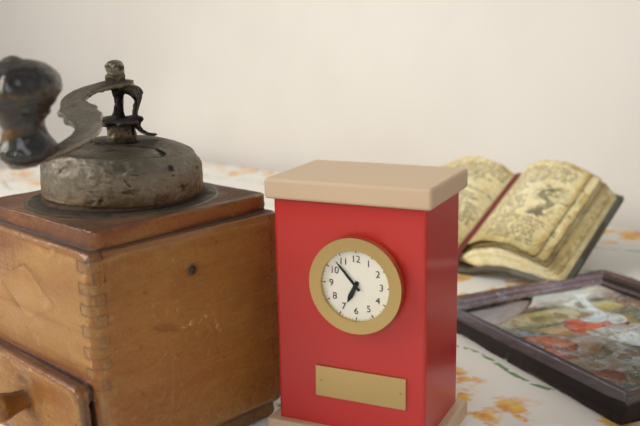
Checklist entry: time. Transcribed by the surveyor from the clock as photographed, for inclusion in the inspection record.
6:53
